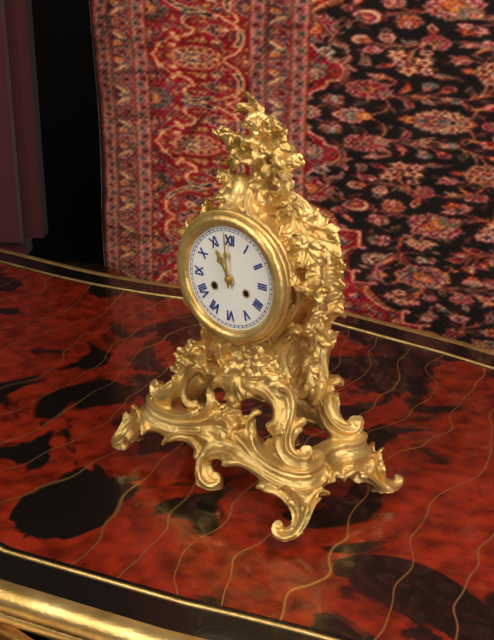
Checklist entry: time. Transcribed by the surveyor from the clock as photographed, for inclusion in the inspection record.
10:59
